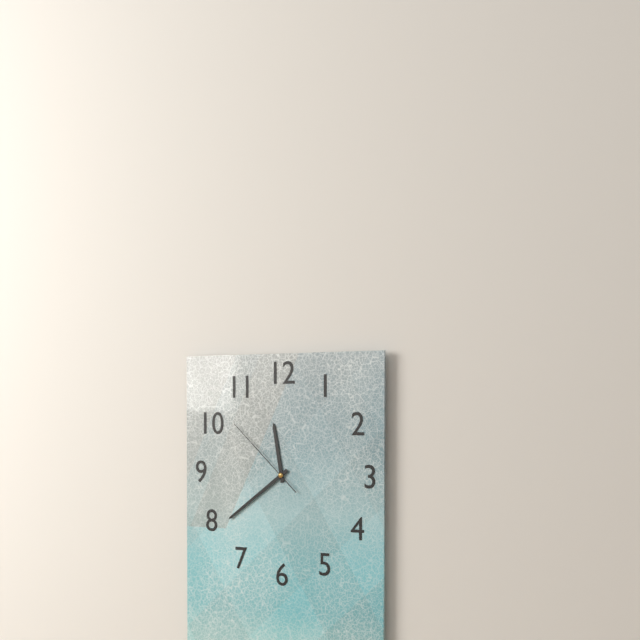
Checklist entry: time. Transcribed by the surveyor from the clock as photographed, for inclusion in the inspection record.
11:39:52
